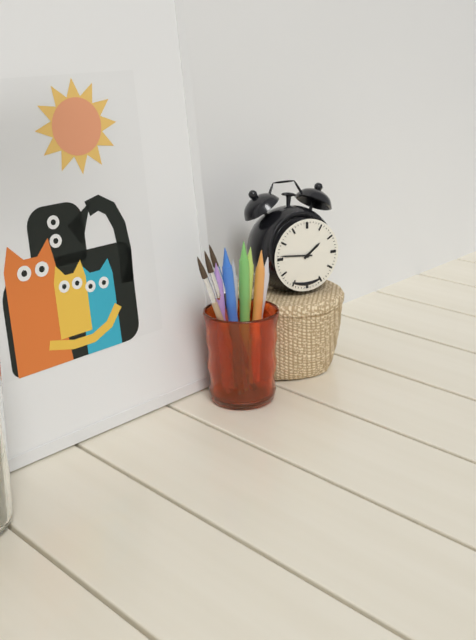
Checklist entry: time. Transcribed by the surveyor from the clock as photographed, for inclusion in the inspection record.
1:46
